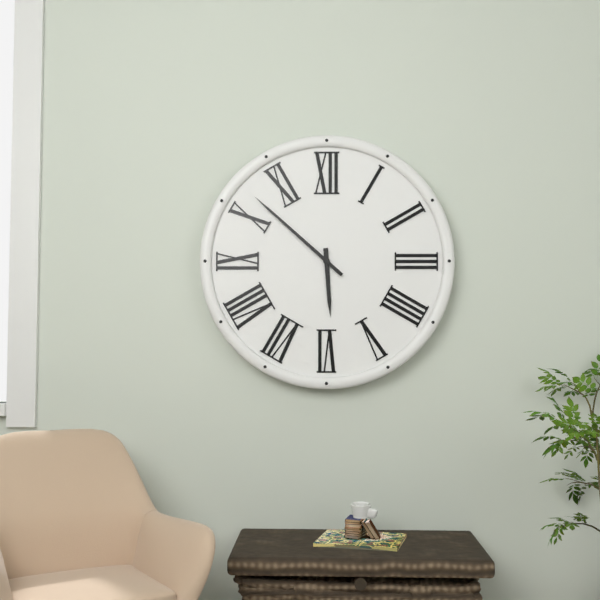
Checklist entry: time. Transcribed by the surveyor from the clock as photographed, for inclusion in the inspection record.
5:52
